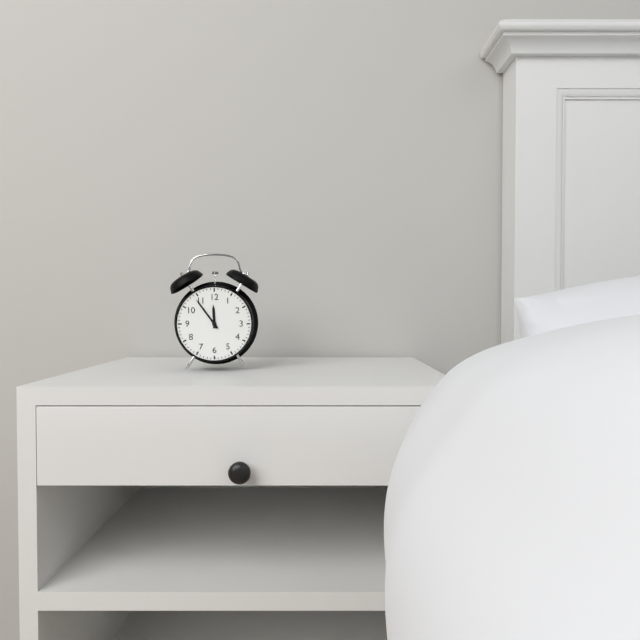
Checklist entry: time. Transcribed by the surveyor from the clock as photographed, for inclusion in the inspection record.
11:54
